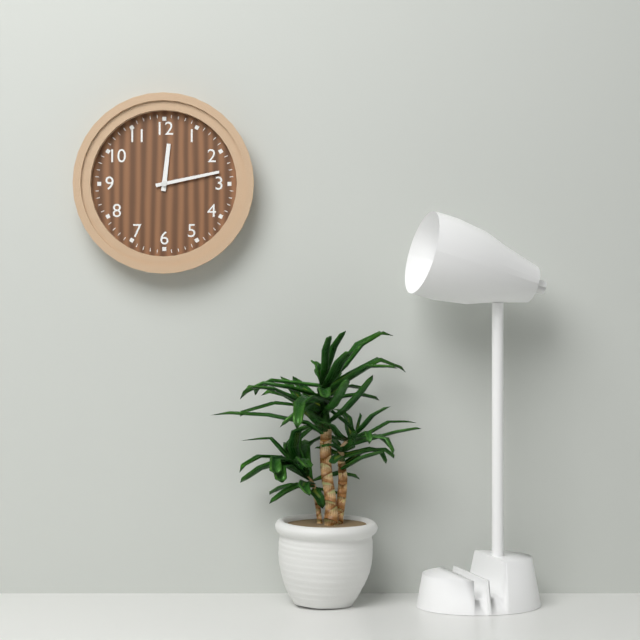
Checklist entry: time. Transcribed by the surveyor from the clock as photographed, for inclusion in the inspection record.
12:13
